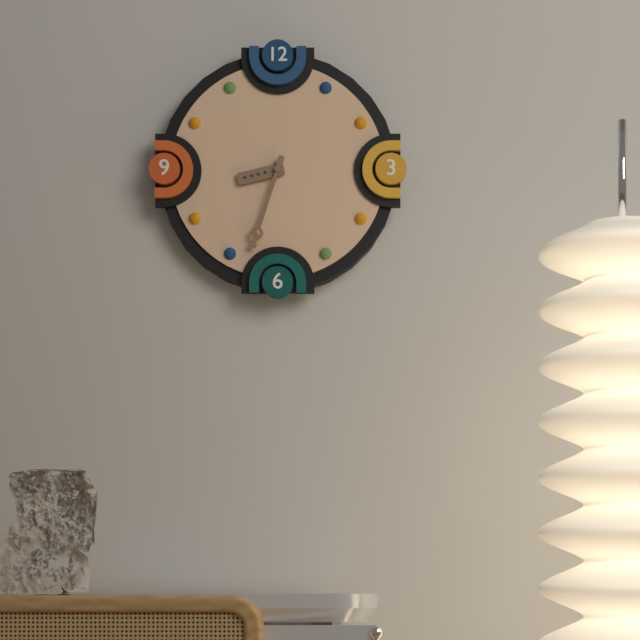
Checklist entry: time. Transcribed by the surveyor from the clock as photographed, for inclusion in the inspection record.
8:33
